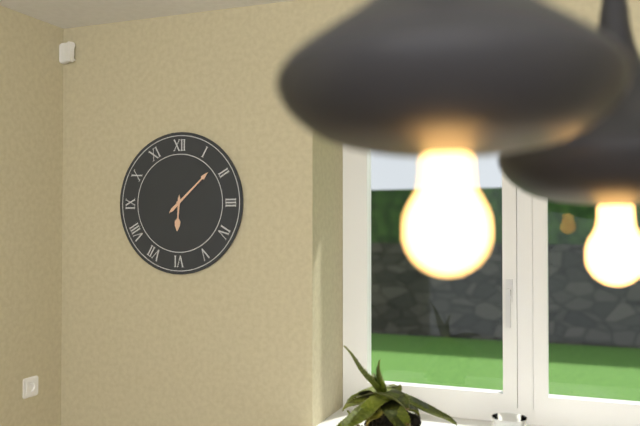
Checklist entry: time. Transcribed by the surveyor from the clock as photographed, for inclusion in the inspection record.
6:08
